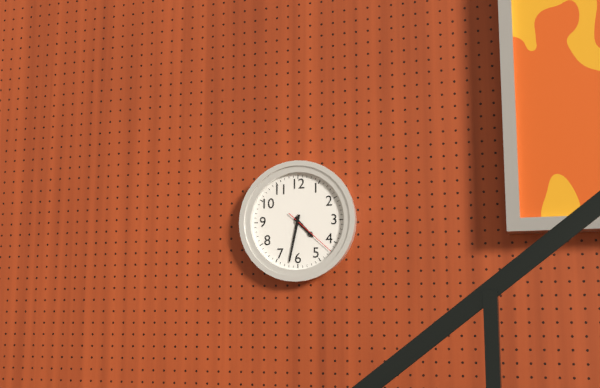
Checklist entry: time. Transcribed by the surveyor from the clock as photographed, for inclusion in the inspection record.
4:32:22
